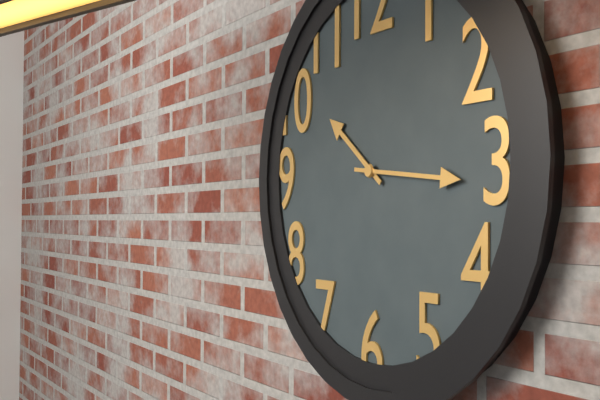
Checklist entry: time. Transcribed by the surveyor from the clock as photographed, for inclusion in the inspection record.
10:16
